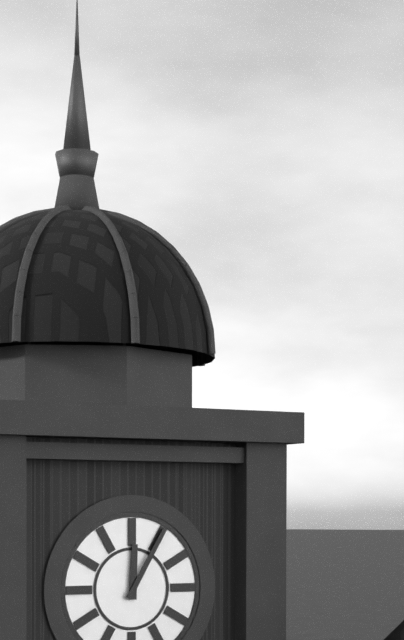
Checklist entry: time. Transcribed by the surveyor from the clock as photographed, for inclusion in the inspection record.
12:05
